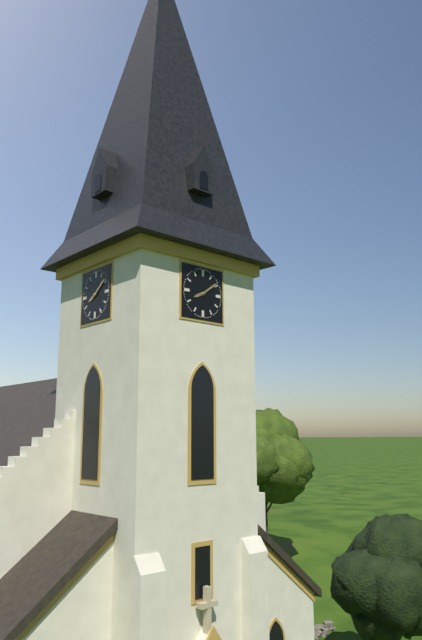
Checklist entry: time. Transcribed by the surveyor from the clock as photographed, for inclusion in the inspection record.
8:09
